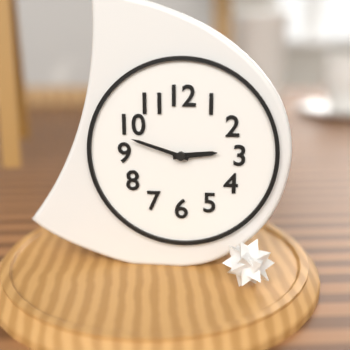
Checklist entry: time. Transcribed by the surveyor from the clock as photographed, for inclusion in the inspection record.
2:48
